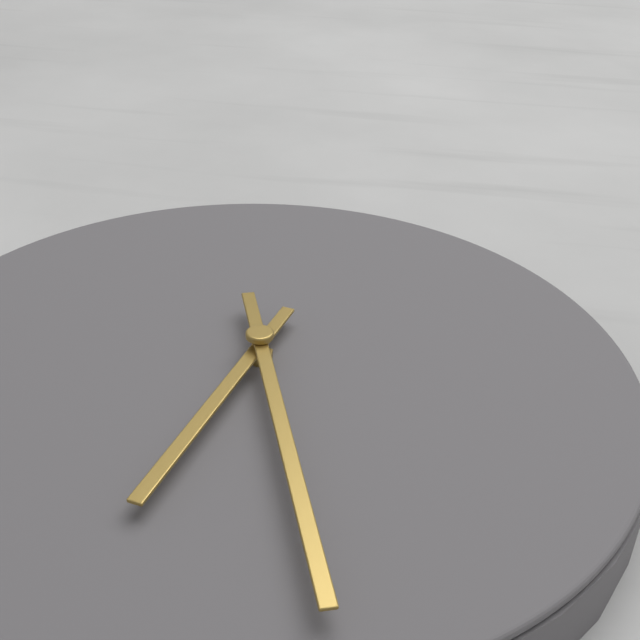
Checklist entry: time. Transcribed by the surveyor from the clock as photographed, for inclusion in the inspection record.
6:27
